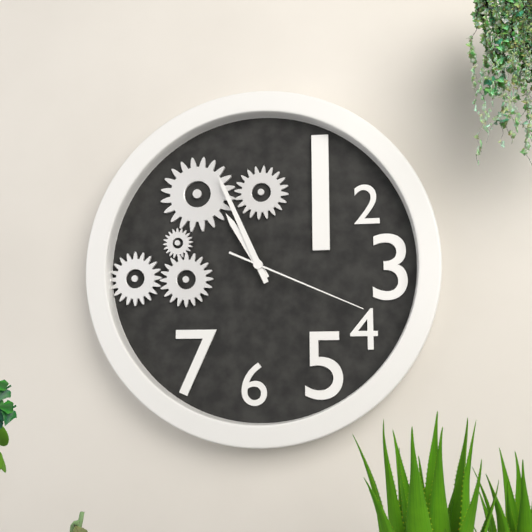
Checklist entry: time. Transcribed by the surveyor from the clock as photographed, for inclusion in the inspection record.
10:56:19
